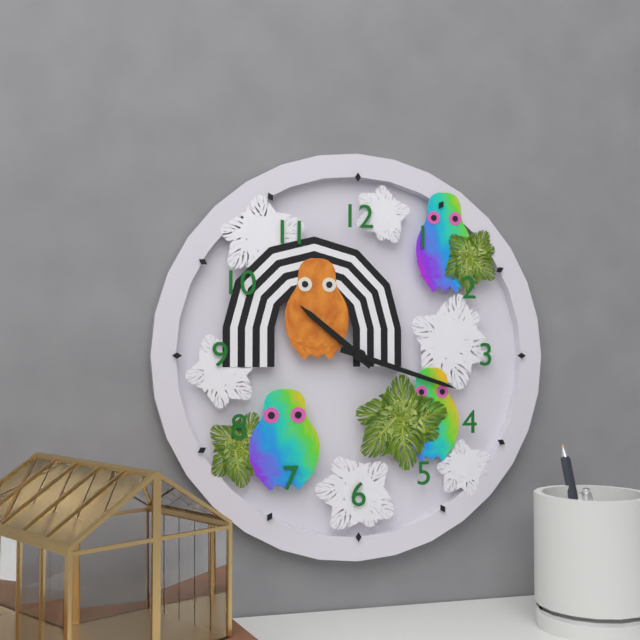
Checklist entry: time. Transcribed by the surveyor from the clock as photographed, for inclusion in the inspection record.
10:18
